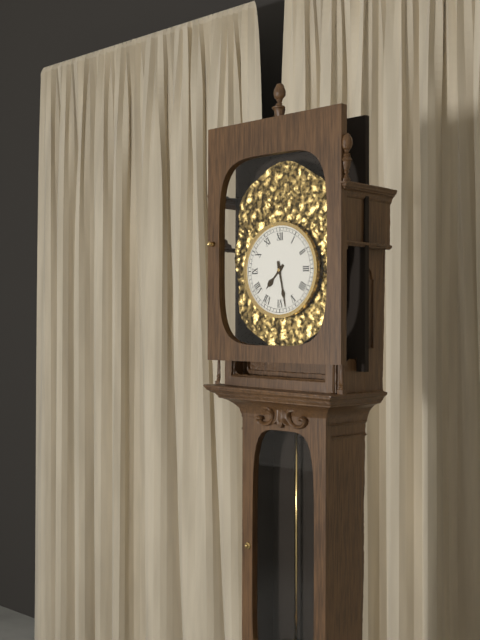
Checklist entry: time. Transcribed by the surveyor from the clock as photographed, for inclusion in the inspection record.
7:28
